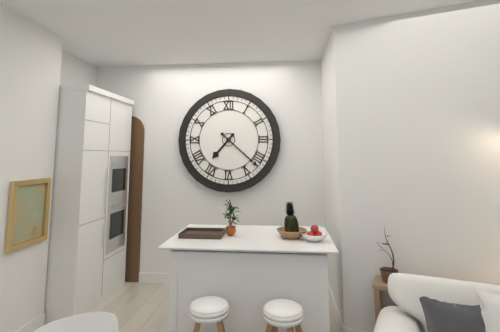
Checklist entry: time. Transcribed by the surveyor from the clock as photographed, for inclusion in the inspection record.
7:22
